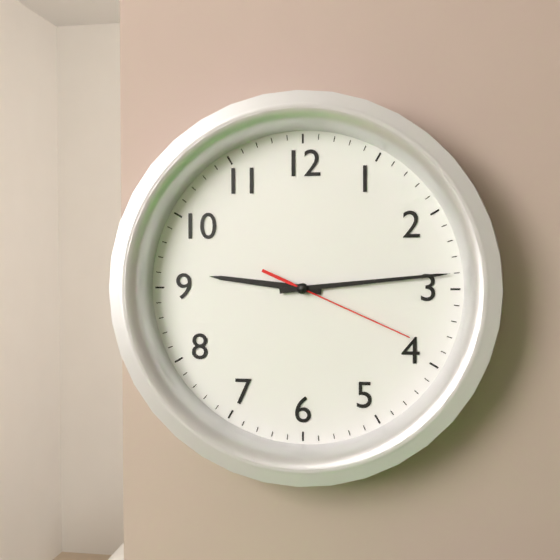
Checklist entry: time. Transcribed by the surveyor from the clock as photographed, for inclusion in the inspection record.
9:14:19
